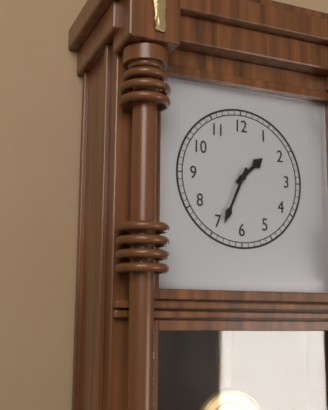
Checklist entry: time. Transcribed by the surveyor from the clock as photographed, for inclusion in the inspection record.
1:34
